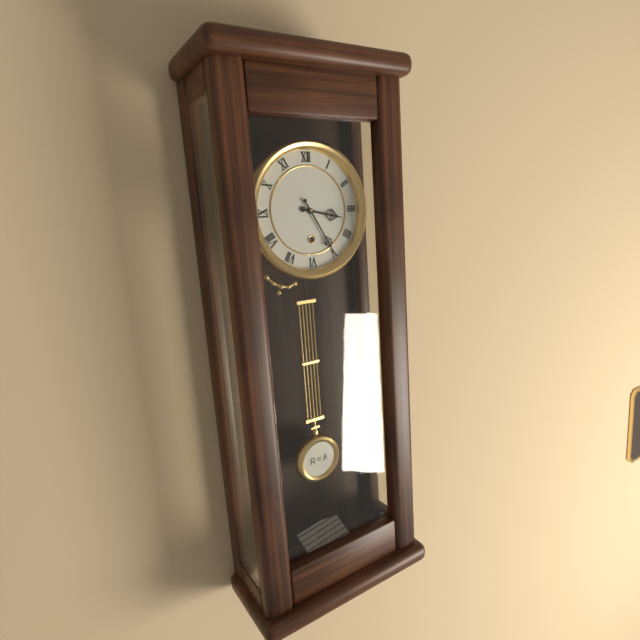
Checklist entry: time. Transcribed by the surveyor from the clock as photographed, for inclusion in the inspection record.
3:25
